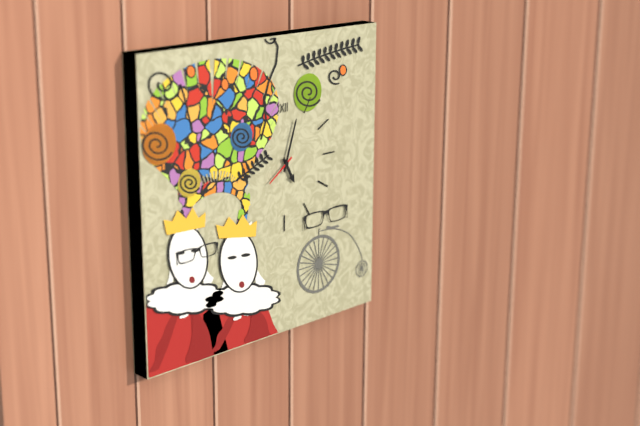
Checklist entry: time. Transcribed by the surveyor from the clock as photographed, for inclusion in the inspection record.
5:03
